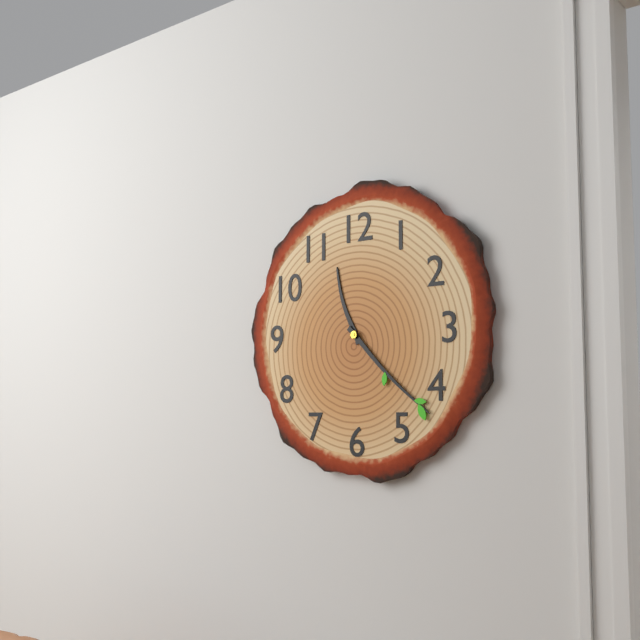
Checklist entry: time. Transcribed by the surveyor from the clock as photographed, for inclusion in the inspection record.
11:22
